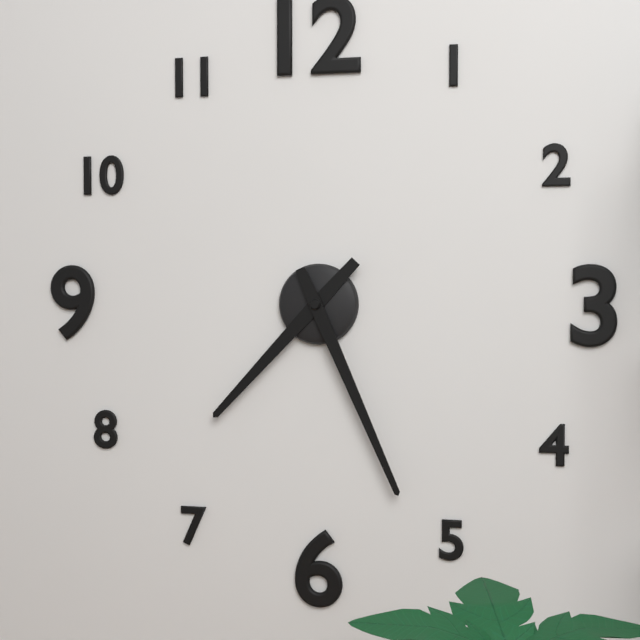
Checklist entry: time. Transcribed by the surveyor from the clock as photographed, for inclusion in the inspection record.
7:26
